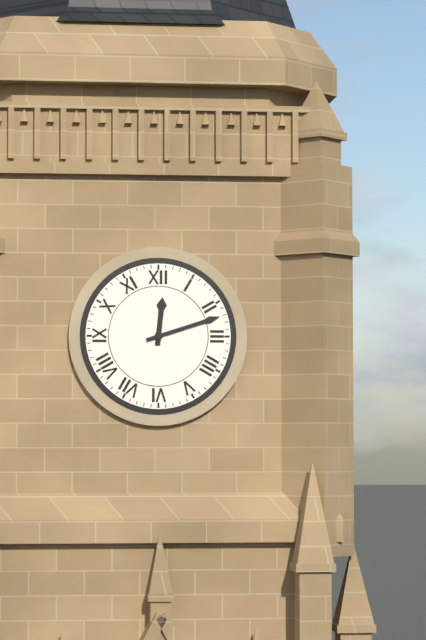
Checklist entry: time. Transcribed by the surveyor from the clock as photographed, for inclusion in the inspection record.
12:12
